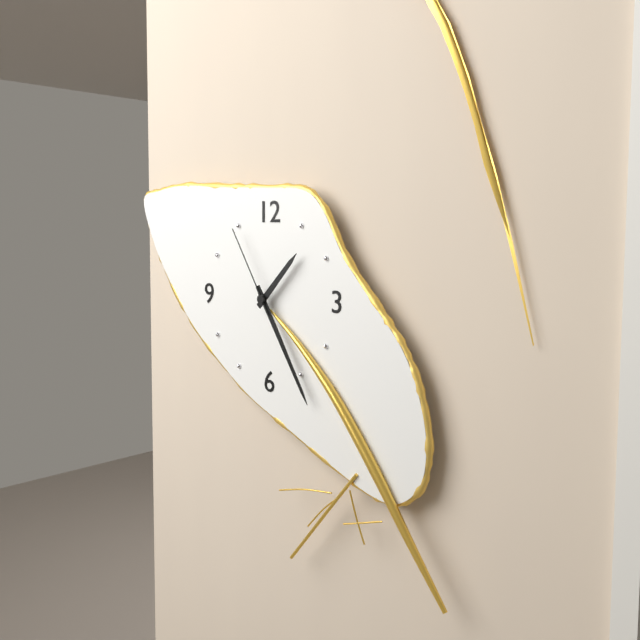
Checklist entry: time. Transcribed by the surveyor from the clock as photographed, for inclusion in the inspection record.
1:25:55
